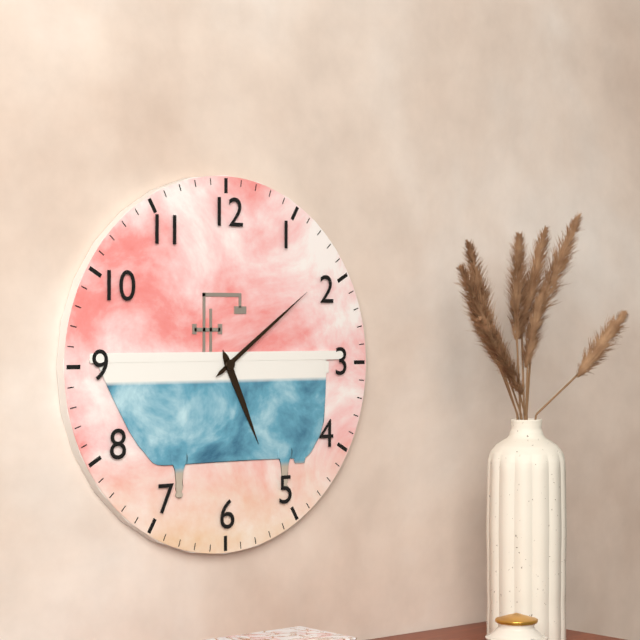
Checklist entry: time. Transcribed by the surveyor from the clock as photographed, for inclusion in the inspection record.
5:09
